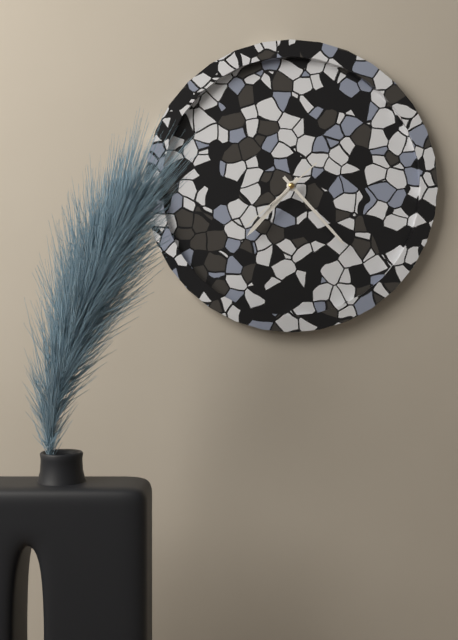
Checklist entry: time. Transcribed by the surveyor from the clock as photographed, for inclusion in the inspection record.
7:23:38
